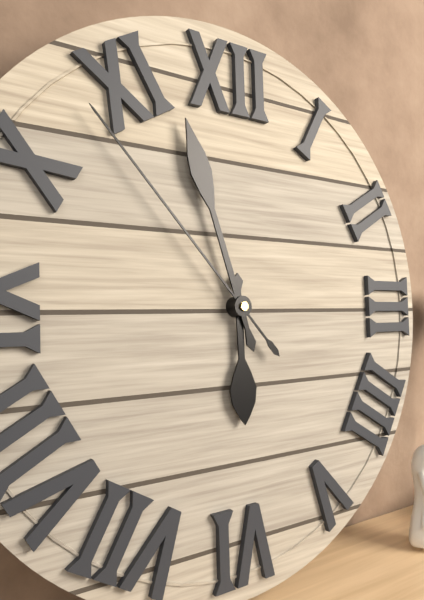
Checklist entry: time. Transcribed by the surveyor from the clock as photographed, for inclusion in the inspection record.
5:57:53
